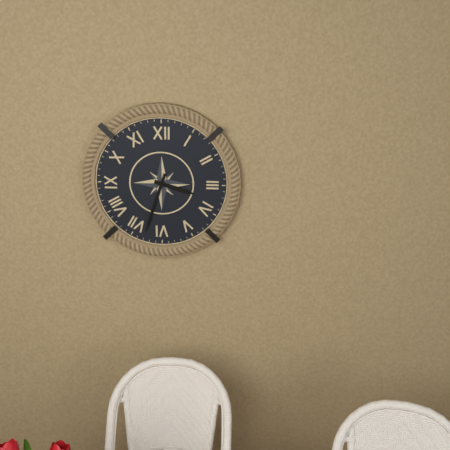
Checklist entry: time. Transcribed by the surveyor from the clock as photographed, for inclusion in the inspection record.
3:33
